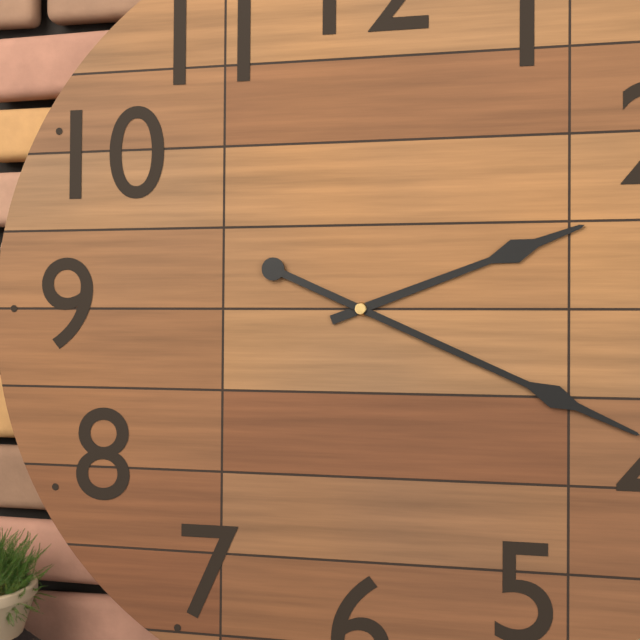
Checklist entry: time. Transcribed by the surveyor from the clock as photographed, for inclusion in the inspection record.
2:19
